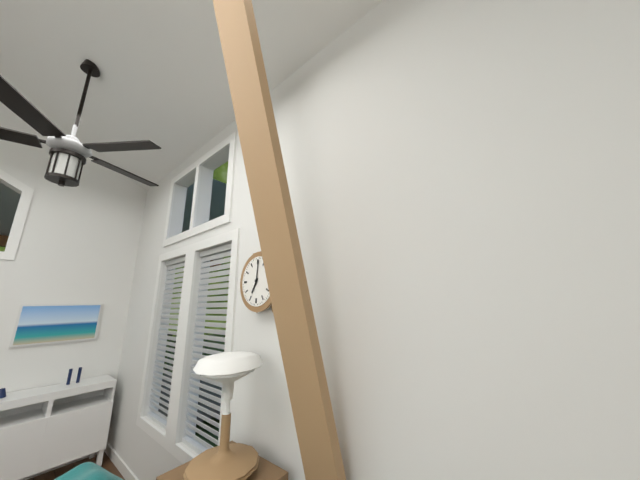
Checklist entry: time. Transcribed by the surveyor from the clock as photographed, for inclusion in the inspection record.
7:01
